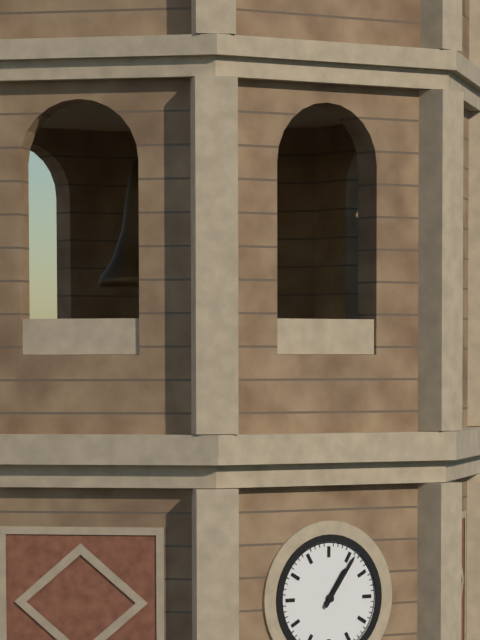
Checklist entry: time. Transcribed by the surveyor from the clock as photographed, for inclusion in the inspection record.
1:06
